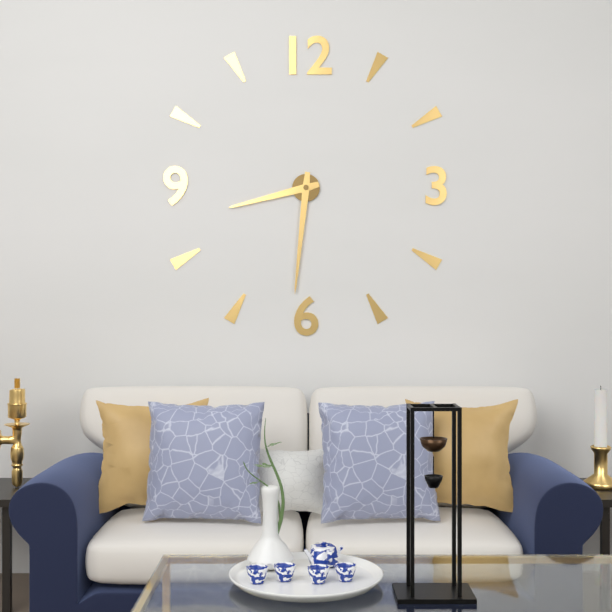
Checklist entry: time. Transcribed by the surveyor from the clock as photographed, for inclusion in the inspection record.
8:31
